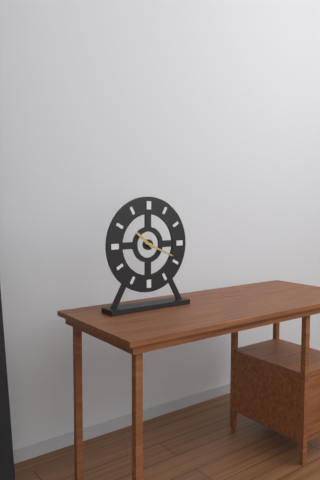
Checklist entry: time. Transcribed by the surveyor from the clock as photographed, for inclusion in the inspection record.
10:19
